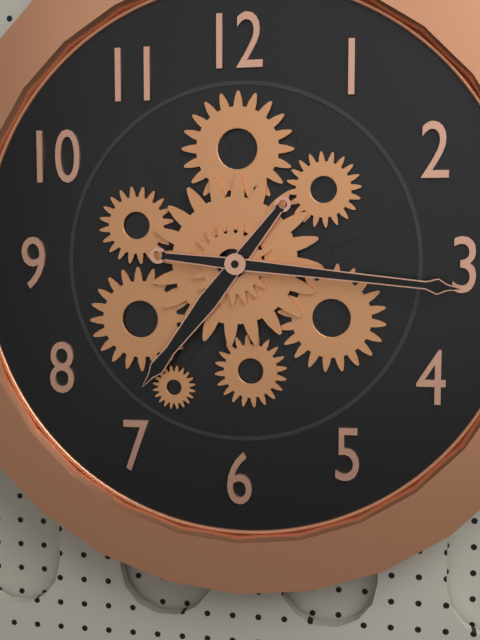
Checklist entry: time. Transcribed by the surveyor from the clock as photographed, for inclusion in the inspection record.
7:16
